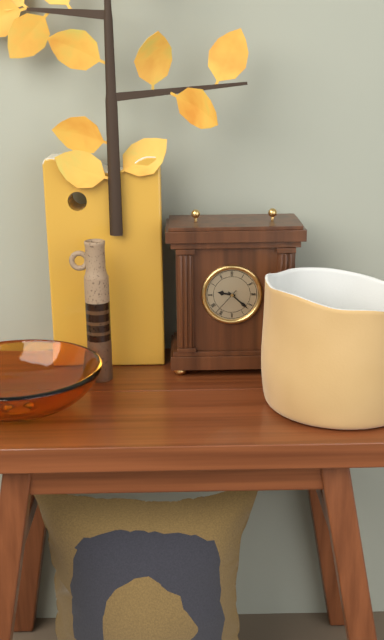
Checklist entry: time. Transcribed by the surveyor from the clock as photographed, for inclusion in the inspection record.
9:22
